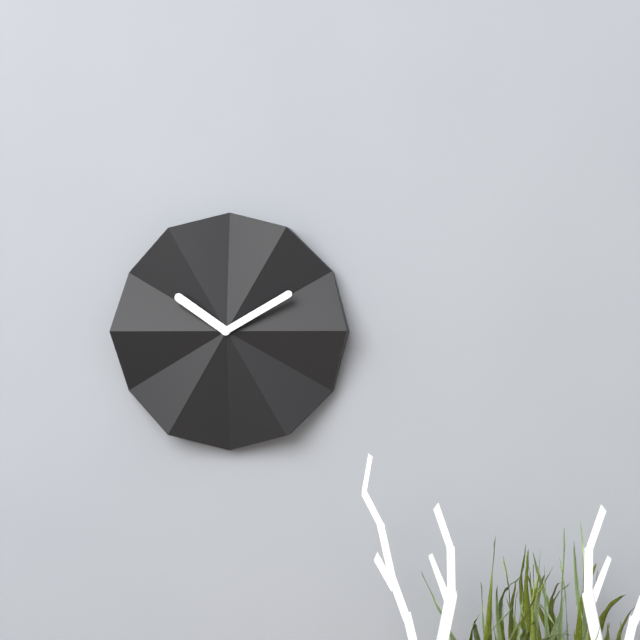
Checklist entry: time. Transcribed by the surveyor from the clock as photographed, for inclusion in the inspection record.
10:10
